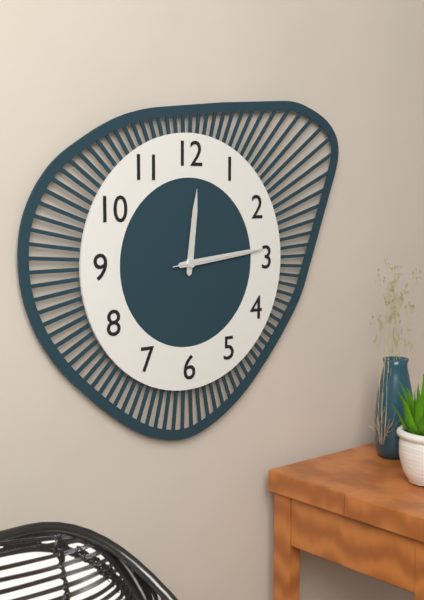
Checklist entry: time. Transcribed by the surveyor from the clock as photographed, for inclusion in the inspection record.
12:14:14
